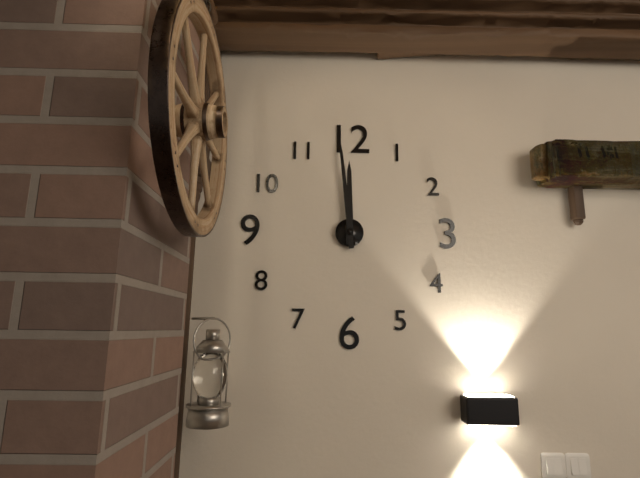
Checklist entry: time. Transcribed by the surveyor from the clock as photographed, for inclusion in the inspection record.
11:59
